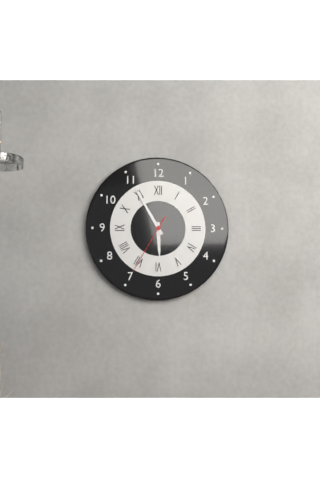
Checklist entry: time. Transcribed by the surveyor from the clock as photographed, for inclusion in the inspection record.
5:55:35
